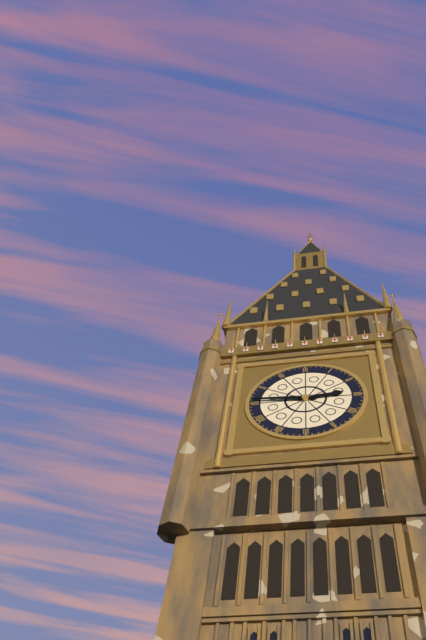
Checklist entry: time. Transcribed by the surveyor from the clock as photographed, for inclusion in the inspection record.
2:46
